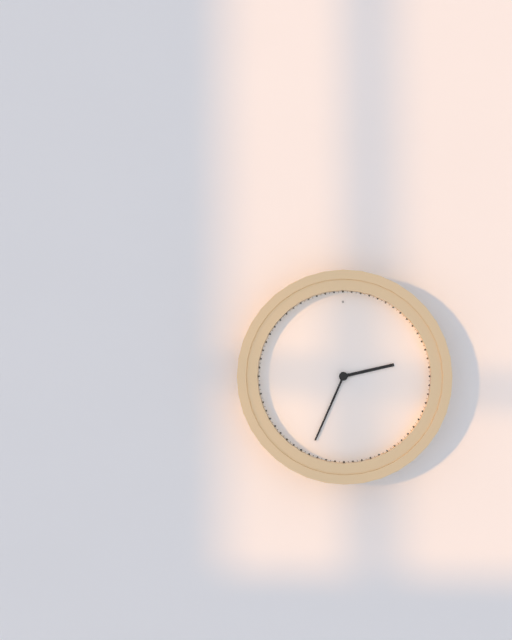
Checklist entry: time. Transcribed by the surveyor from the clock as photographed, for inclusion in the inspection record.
2:34
